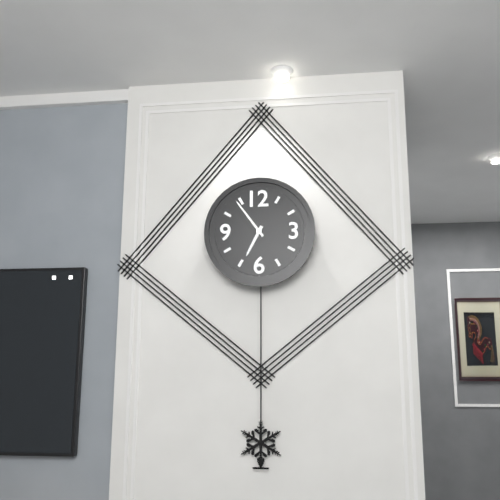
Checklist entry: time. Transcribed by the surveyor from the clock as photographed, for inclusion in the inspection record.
6:54
